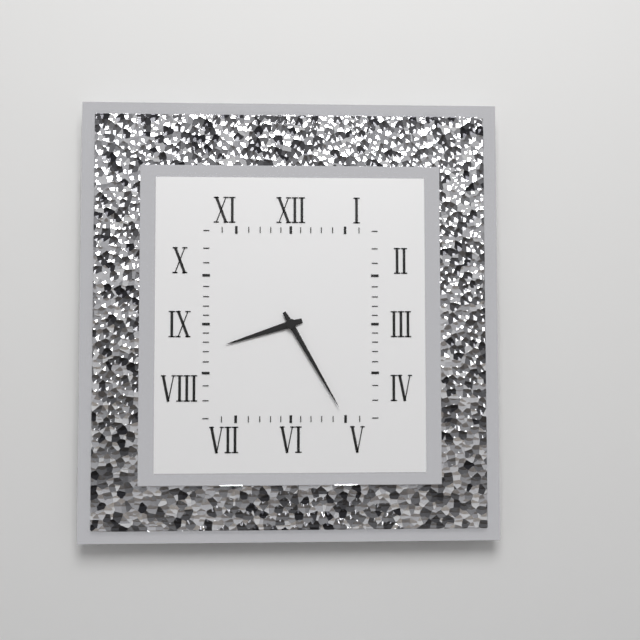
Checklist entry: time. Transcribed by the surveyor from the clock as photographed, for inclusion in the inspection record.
8:25
